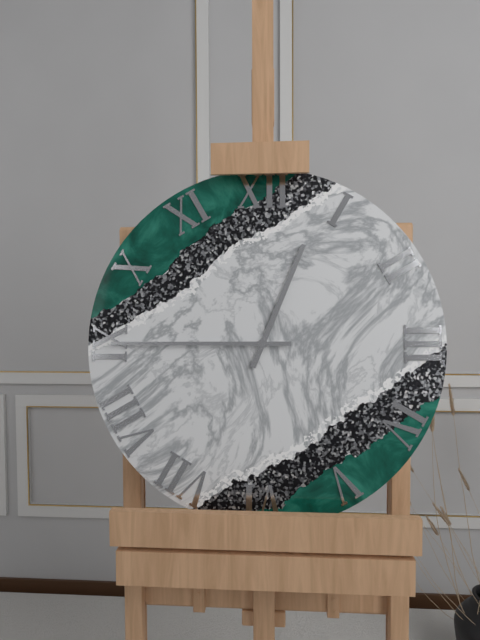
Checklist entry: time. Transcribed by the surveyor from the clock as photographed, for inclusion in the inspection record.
12:45
